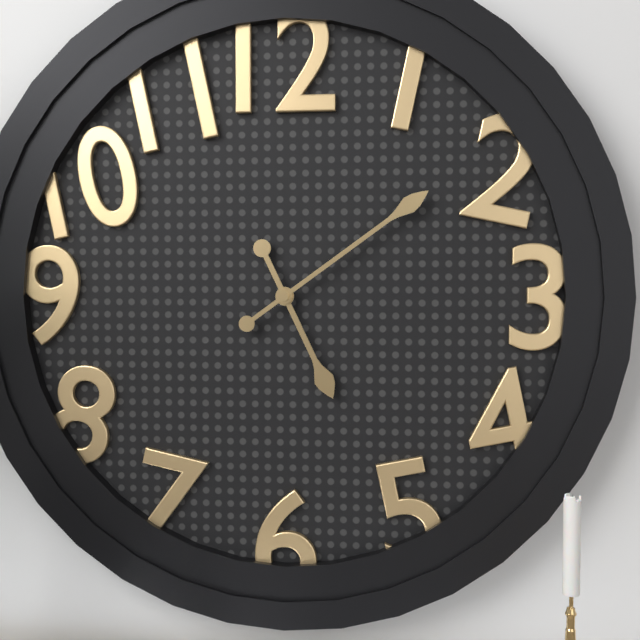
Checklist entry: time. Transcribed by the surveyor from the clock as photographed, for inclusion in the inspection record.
5:09
